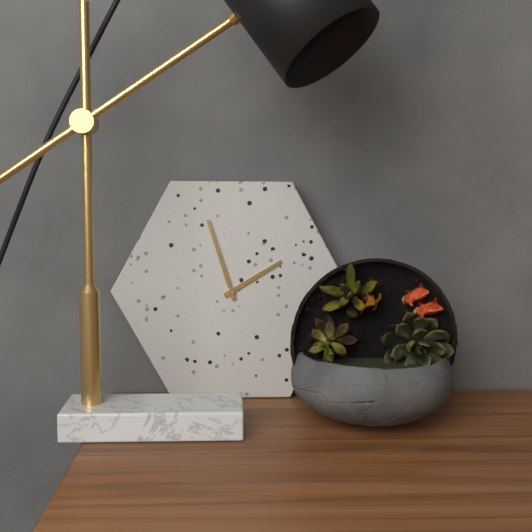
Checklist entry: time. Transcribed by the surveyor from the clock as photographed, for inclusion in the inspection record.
1:57
